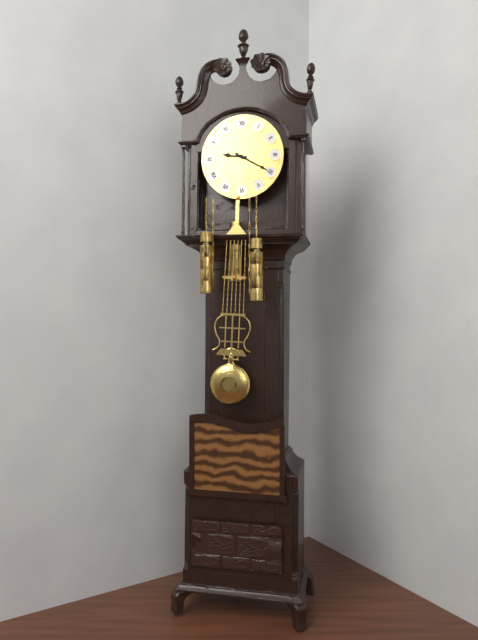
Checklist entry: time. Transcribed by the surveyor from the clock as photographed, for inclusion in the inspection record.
9:20
